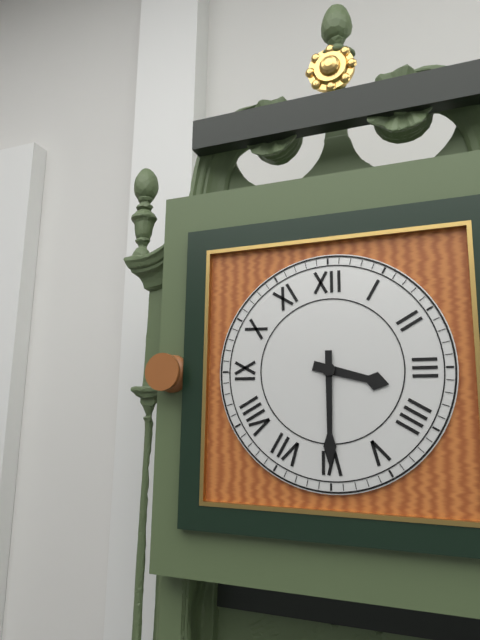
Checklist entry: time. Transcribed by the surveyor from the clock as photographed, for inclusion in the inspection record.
3:30
